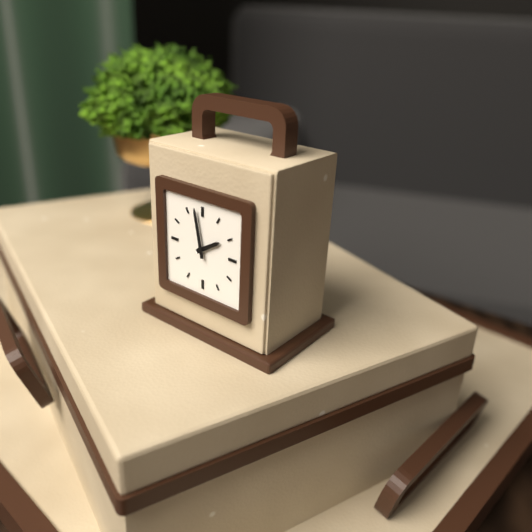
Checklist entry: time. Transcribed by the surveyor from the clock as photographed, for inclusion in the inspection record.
1:58
